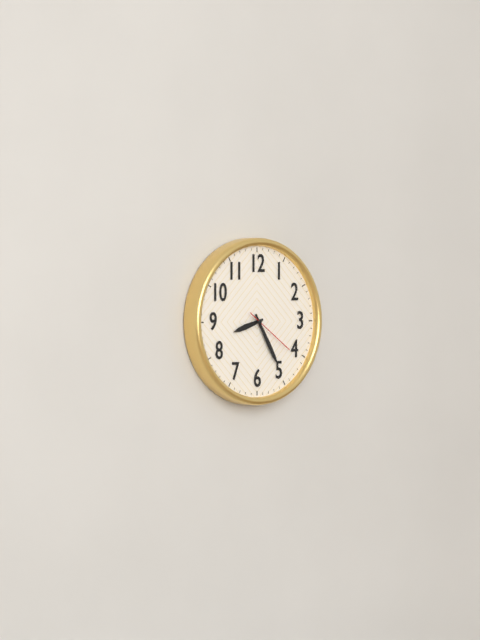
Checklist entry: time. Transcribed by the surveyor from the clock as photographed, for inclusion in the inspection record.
8:25:21
